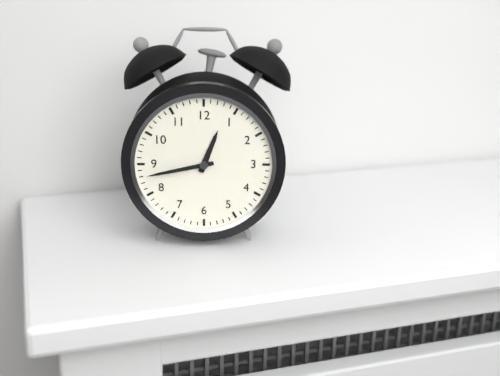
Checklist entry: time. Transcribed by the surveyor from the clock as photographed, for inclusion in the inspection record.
12:43
